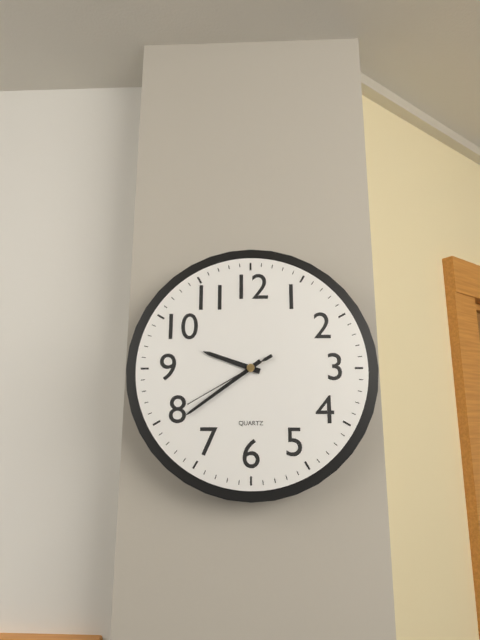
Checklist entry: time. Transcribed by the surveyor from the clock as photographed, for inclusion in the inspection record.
9:39:40
